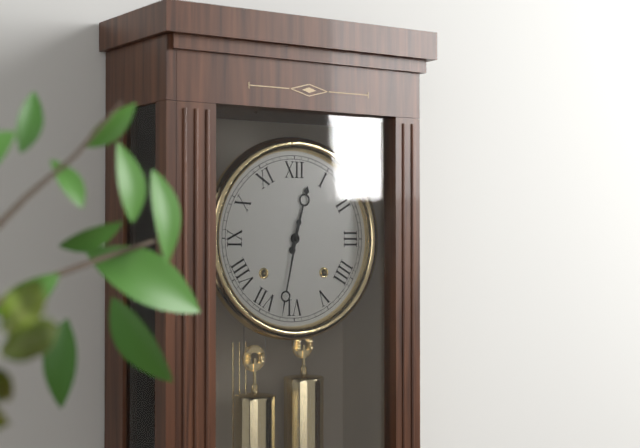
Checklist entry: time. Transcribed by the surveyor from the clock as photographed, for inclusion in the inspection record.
12:32
